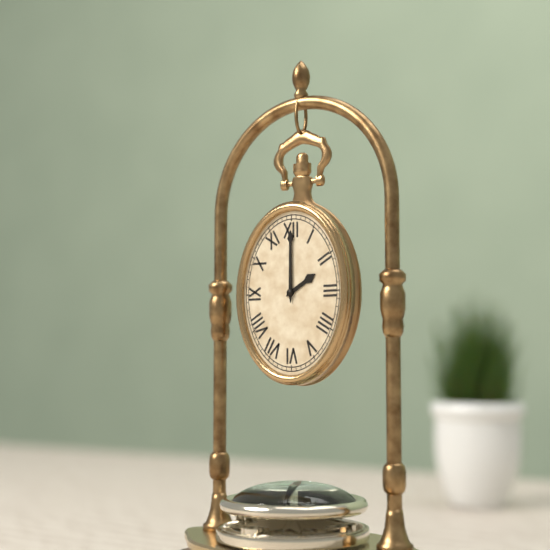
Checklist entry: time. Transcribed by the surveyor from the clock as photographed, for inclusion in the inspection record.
2:00
